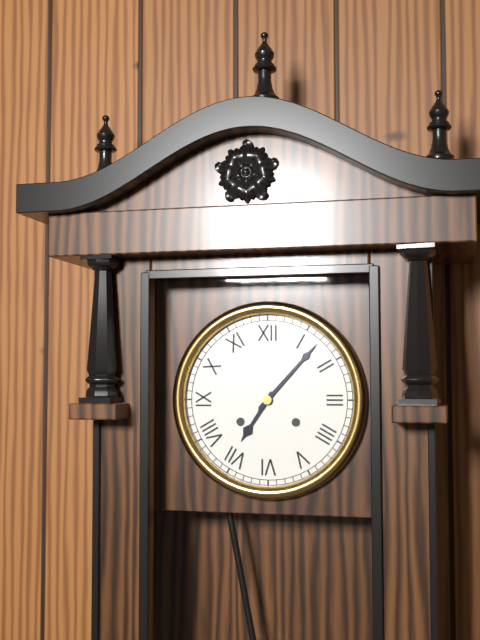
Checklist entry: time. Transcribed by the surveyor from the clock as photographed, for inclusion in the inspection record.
7:07
